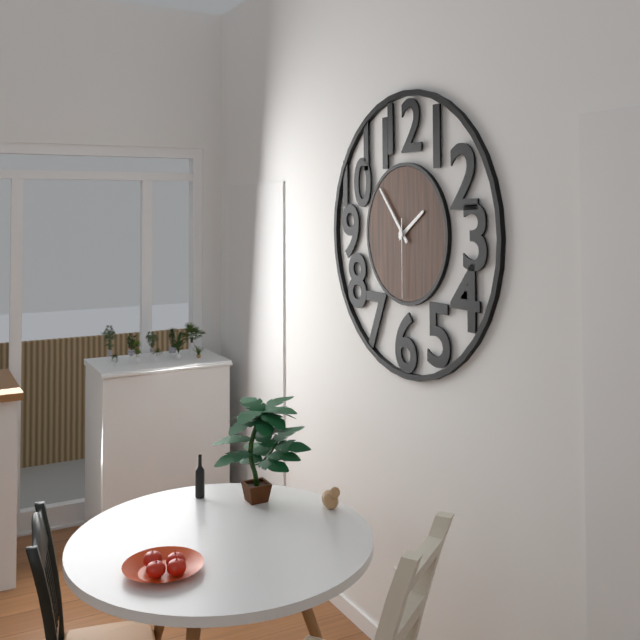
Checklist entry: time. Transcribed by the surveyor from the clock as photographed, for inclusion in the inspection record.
1:53:30
